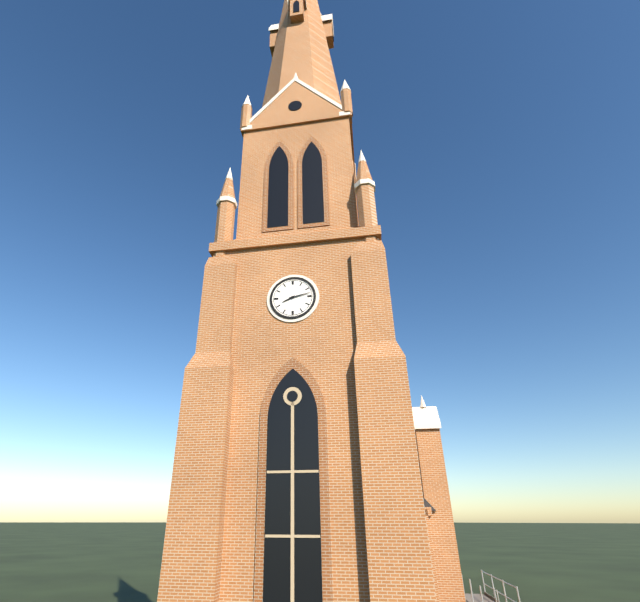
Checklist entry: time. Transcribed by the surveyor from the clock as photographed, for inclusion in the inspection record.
8:13
